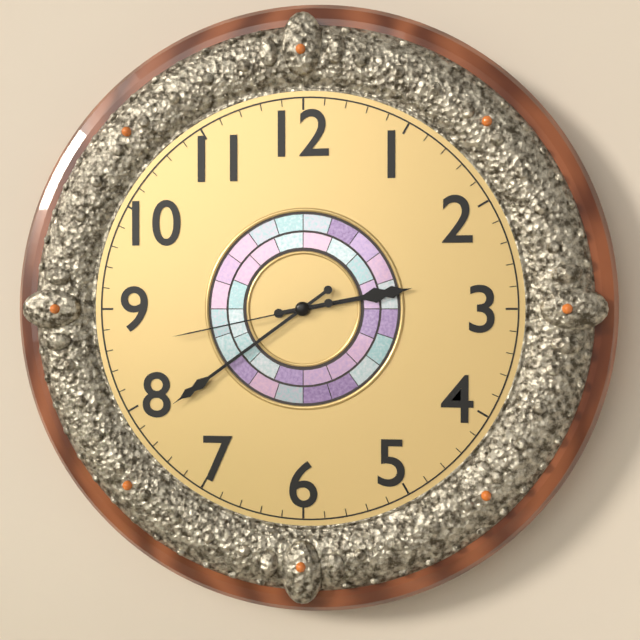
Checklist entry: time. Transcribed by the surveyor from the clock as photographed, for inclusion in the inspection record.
2:39:43
